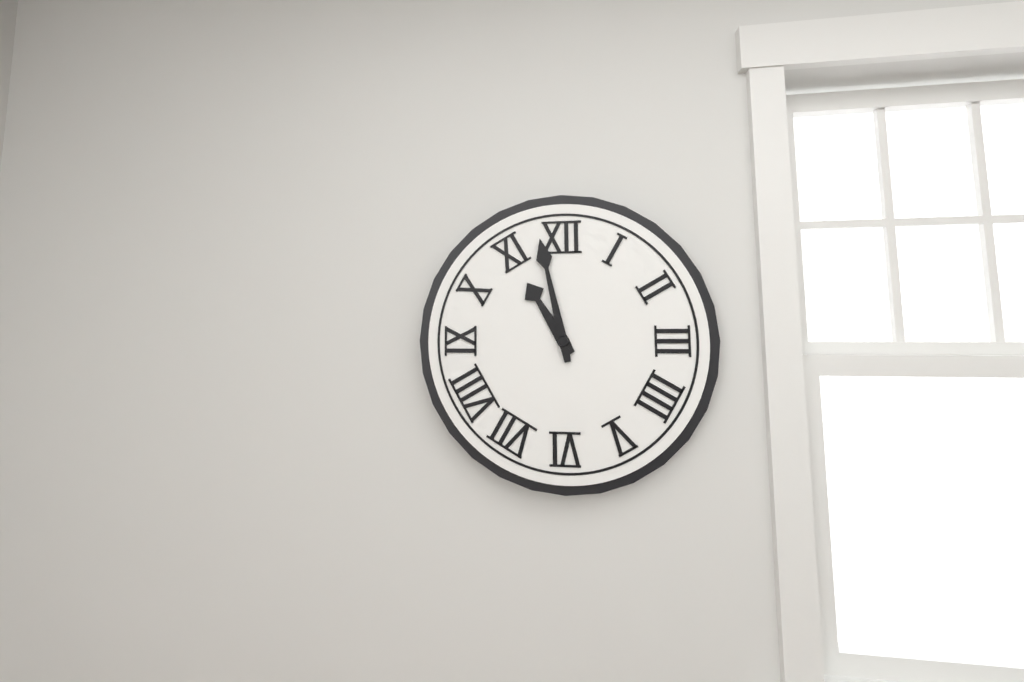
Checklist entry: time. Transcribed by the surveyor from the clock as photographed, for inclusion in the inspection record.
10:58
